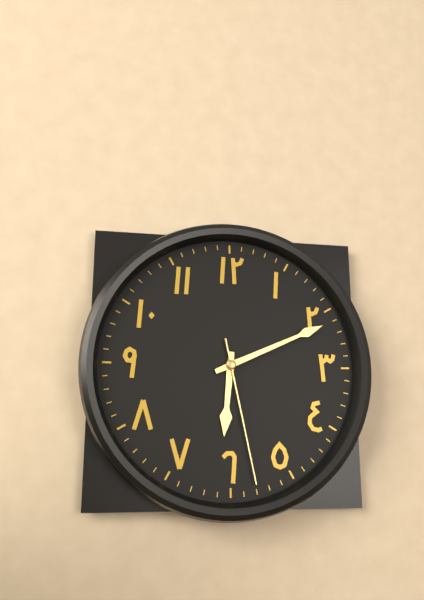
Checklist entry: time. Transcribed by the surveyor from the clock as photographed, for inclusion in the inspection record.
6:11:28
